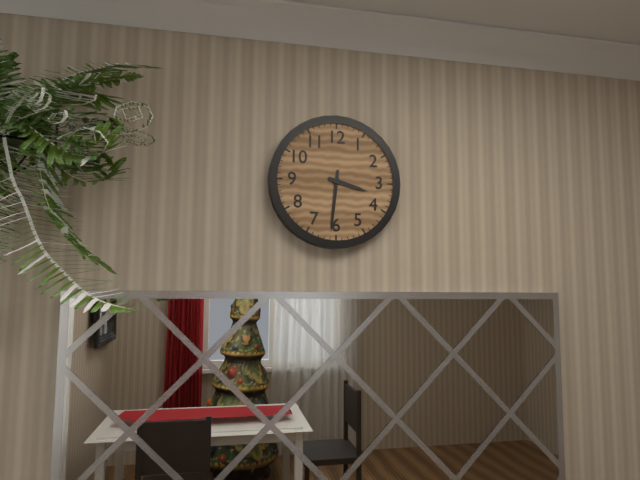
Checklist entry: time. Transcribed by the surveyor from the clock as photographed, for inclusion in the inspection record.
3:31
